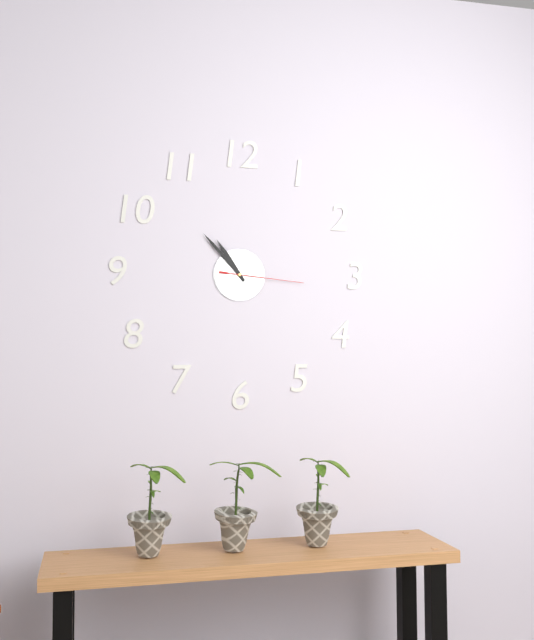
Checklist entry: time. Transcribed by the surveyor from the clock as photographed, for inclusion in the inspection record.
10:53:16
